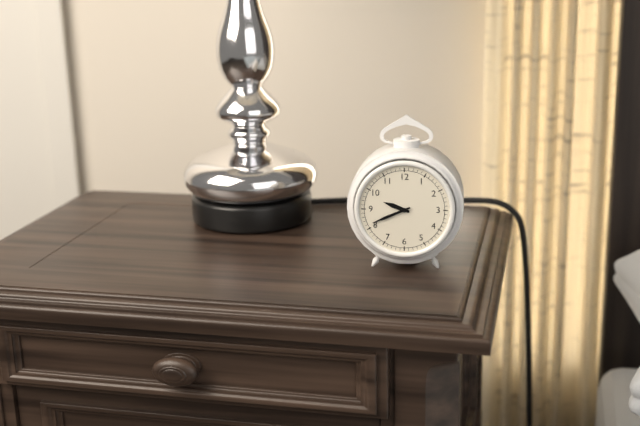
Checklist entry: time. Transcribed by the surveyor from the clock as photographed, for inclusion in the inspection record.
9:41
